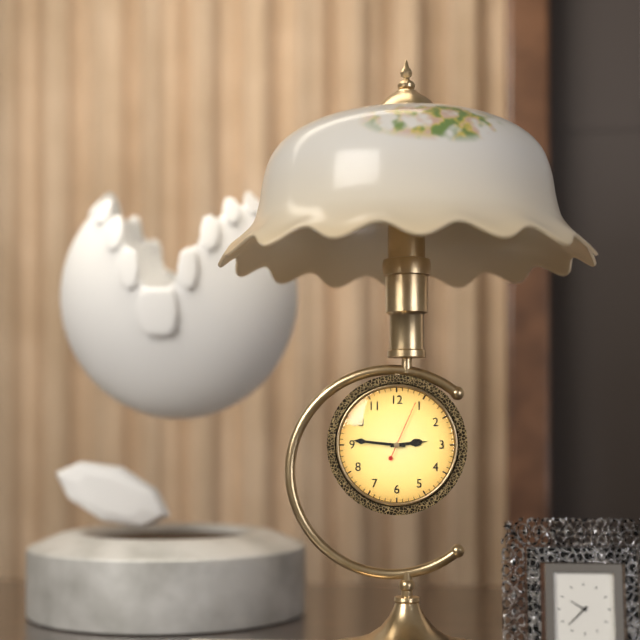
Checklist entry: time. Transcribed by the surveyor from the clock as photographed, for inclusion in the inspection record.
2:46:04
